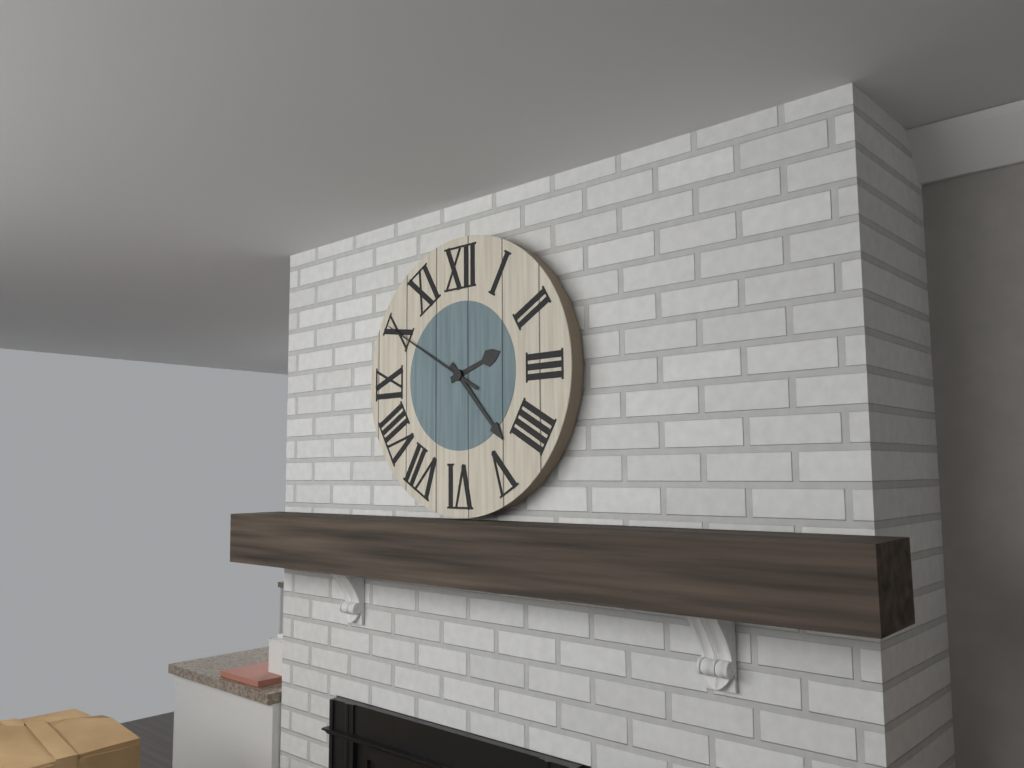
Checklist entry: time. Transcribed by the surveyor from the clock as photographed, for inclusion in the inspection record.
2:23:50
